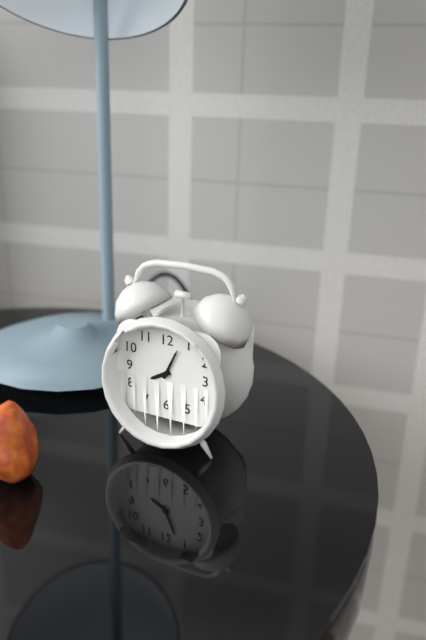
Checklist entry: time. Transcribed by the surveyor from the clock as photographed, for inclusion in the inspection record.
8:04
